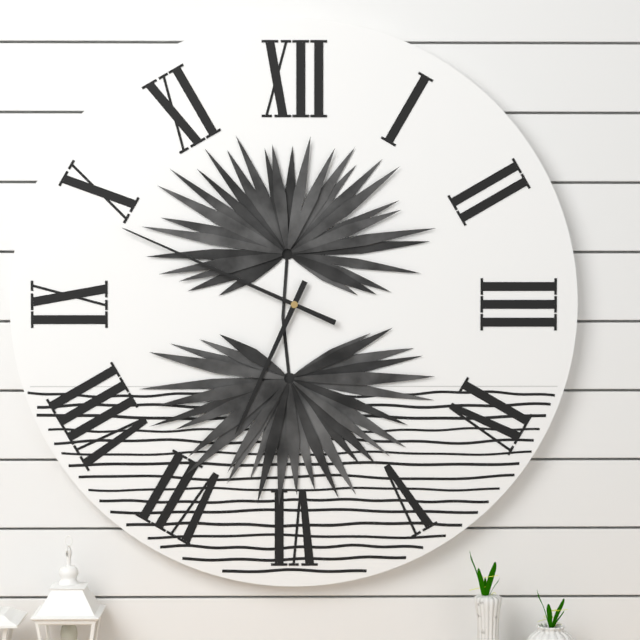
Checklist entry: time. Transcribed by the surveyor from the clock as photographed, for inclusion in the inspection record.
6:49
